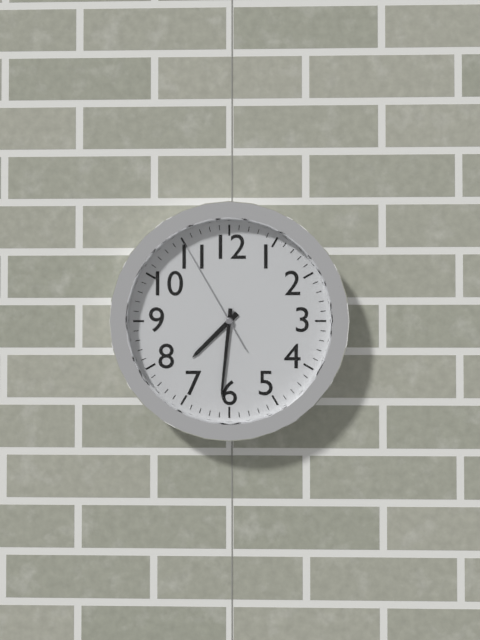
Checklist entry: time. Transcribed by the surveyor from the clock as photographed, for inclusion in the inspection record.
7:31:55
